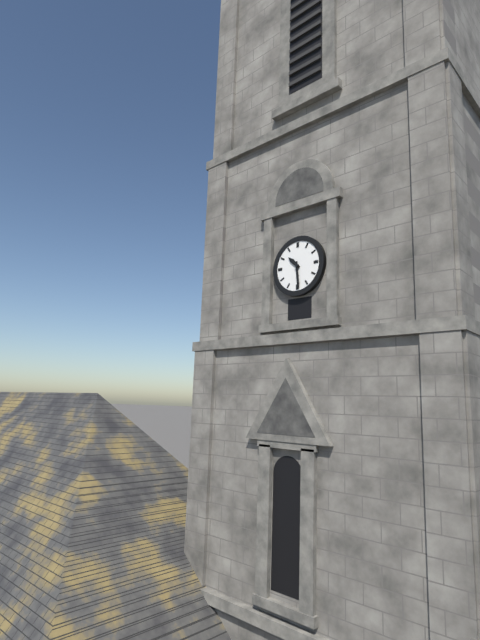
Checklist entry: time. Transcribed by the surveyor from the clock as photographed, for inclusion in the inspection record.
10:29
